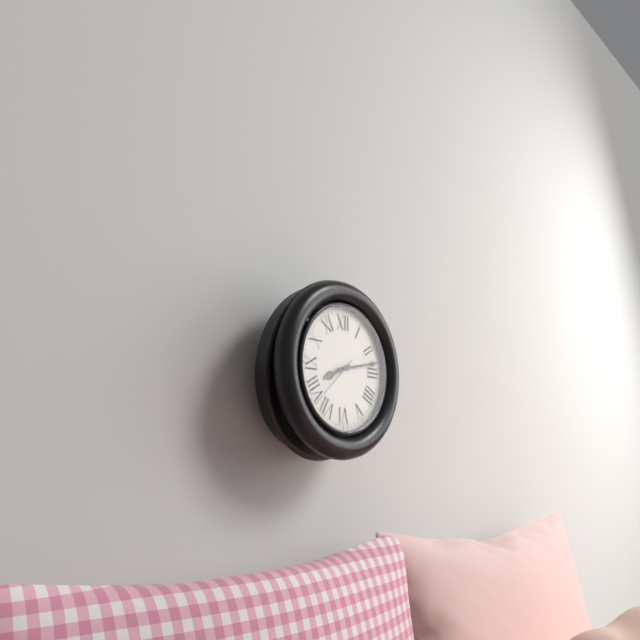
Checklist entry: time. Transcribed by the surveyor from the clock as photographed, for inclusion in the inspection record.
8:13:38
